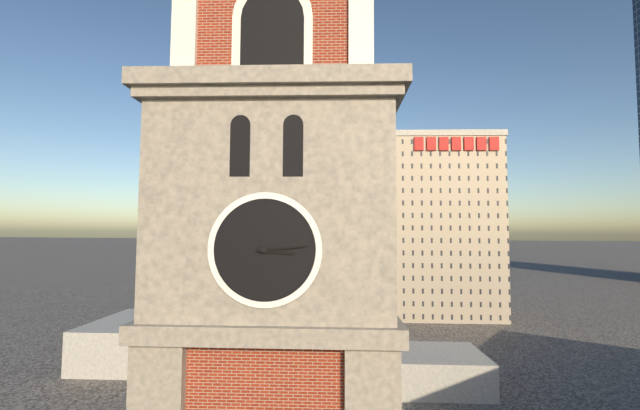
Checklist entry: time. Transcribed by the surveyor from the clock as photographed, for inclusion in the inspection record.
3:14
